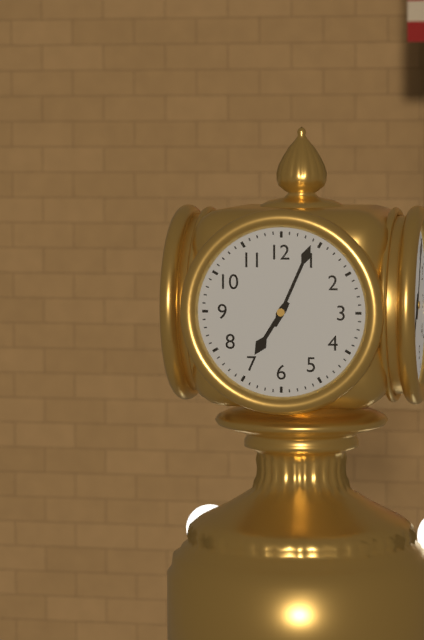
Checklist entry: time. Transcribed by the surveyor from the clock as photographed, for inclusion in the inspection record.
7:04
